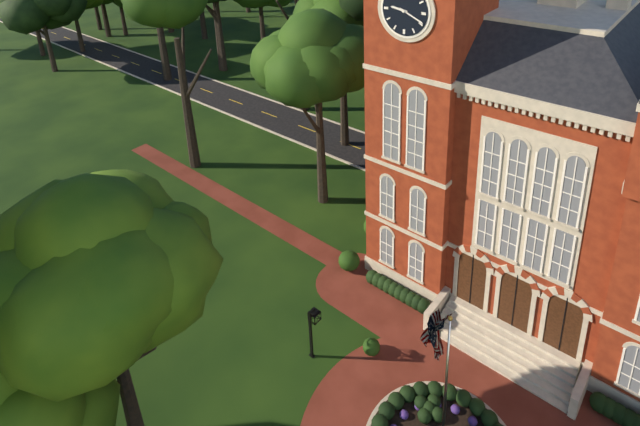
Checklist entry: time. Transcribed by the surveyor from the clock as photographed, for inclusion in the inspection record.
9:19
